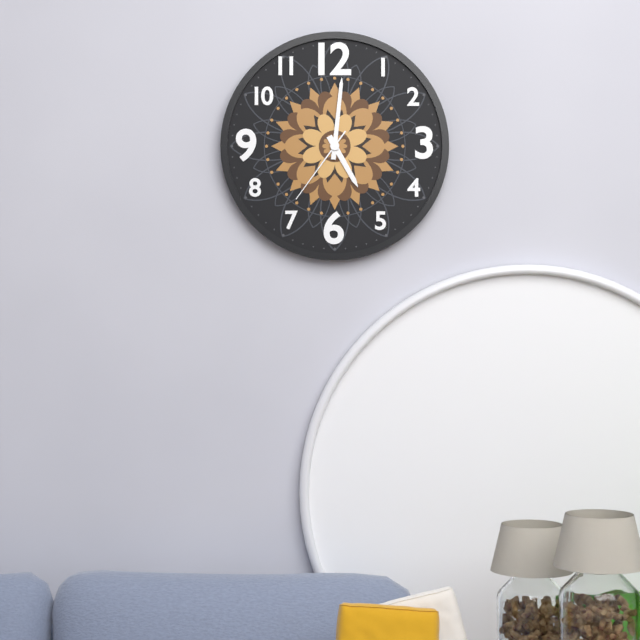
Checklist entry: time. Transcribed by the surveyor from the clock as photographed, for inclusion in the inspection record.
5:01:36
